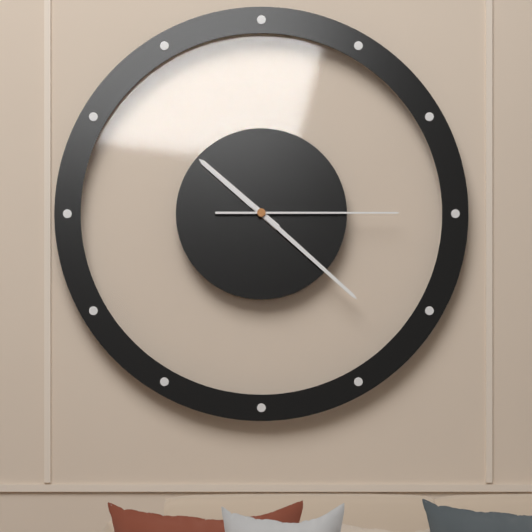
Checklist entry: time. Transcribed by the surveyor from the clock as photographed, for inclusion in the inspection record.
10:22:15
